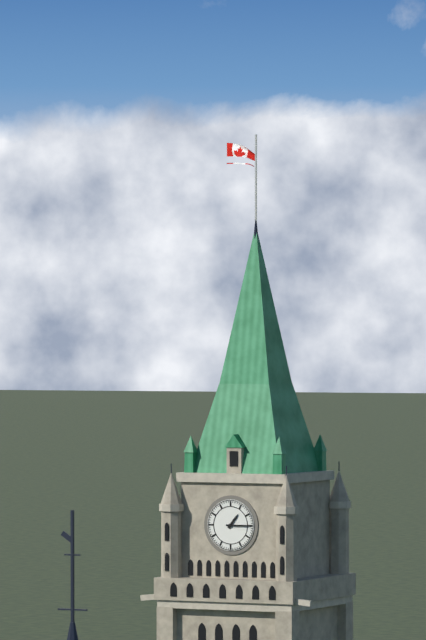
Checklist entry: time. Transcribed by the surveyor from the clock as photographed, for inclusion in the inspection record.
1:15
